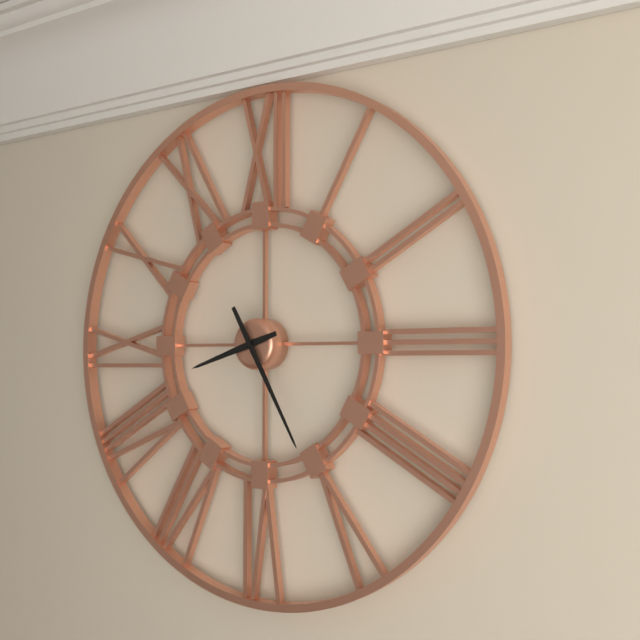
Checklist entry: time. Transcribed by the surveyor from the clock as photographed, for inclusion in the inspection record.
8:25
